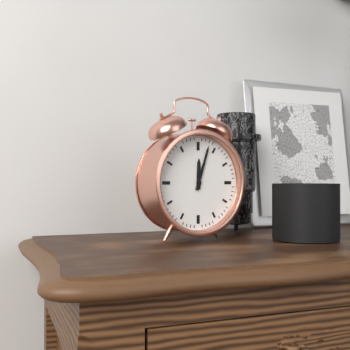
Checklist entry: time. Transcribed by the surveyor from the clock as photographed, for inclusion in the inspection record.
12:03
